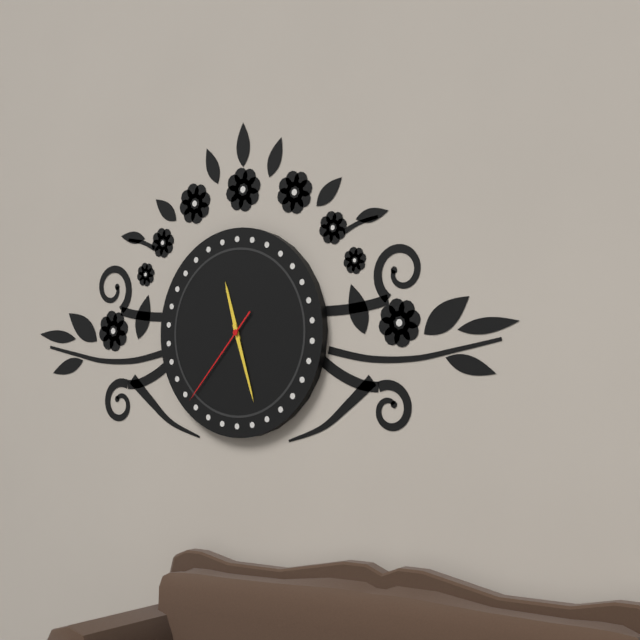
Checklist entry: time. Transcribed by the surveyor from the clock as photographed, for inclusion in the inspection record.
11:27:37
